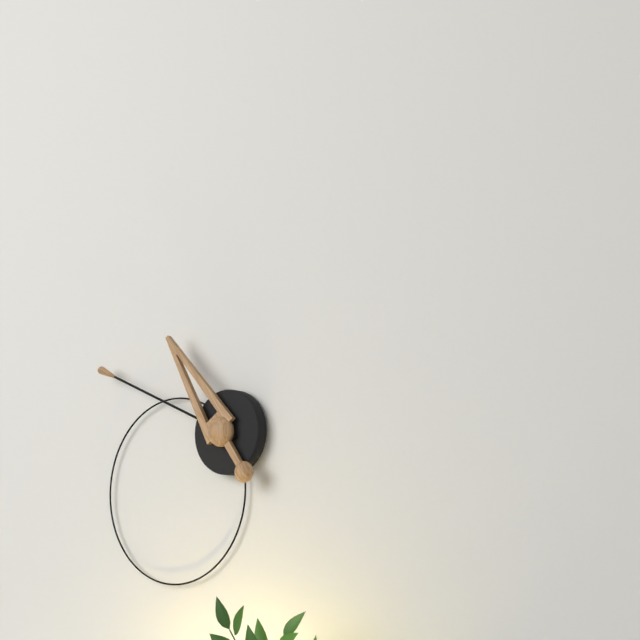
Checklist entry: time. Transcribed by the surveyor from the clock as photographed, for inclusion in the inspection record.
10:49
